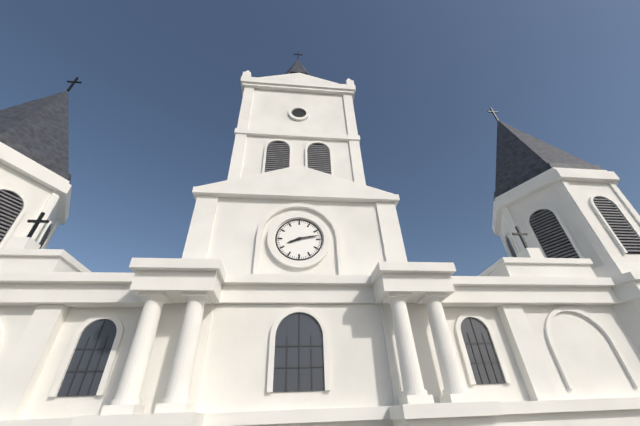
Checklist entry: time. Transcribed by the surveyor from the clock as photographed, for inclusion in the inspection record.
8:13
